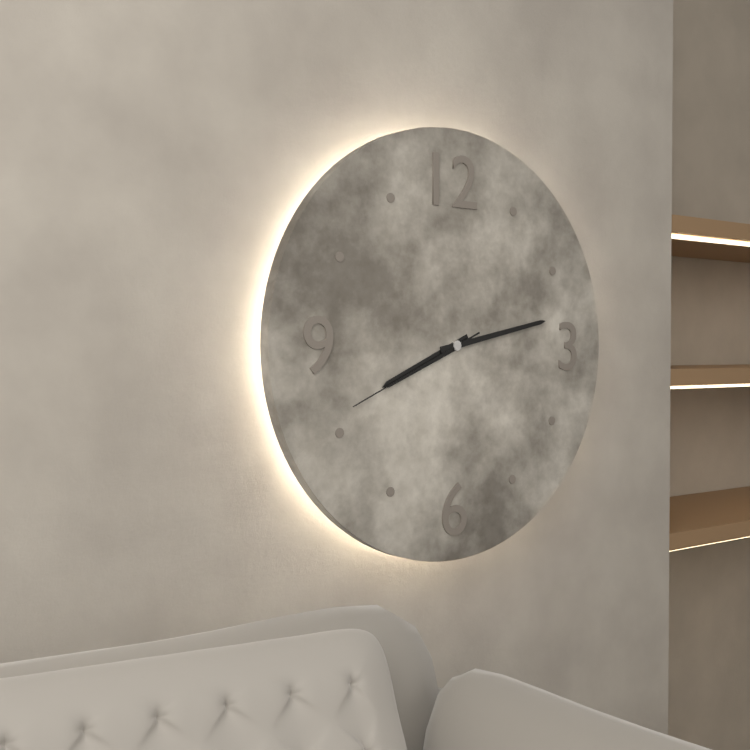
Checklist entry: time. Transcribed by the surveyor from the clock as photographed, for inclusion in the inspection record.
8:13:41
